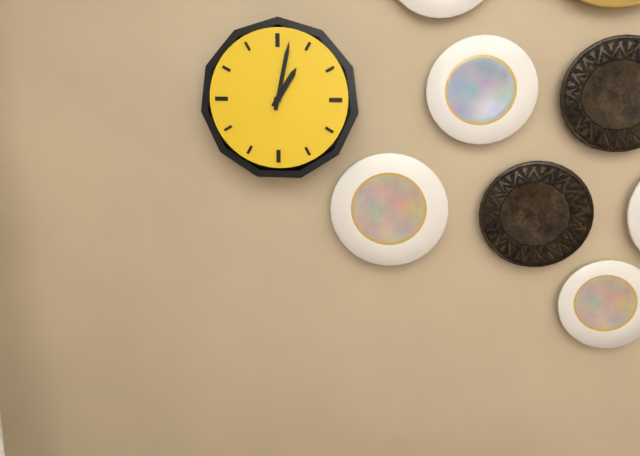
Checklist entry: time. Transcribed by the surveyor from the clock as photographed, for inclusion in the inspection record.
1:02
